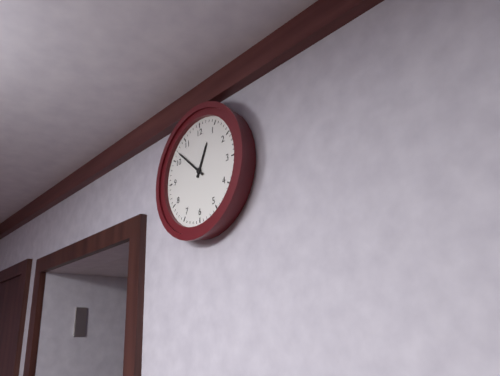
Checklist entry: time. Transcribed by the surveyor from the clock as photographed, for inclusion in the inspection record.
12:52
